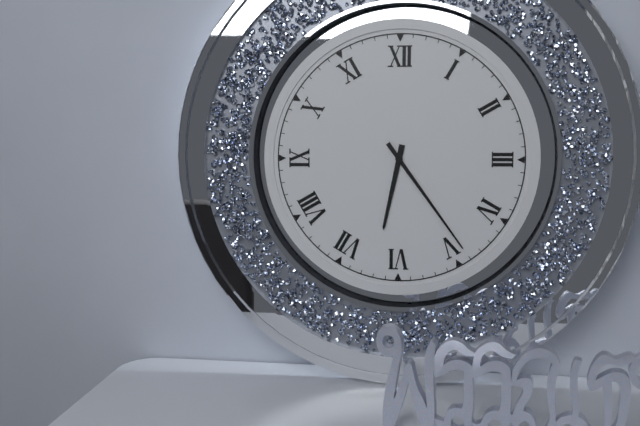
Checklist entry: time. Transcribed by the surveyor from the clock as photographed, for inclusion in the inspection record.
6:24
